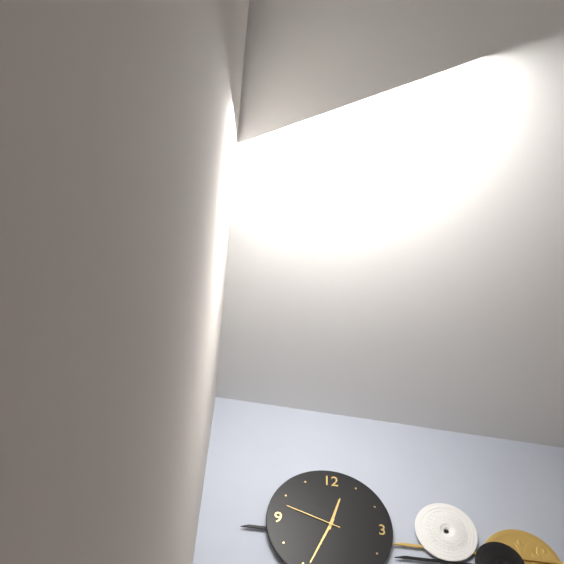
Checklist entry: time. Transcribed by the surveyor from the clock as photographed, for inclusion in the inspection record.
12:34:48
